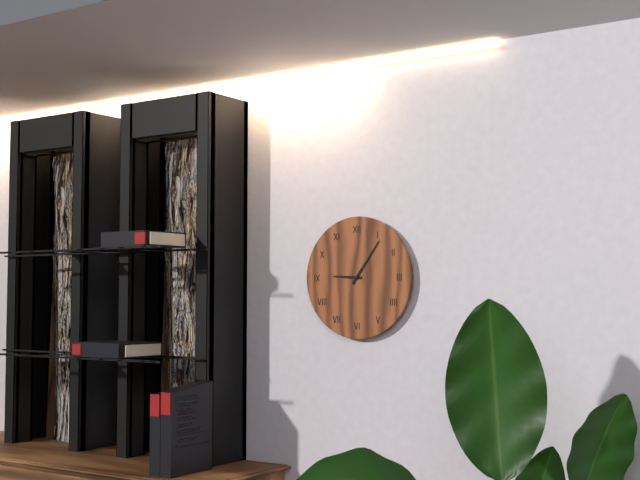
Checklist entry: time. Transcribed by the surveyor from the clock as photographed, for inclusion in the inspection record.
9:06
